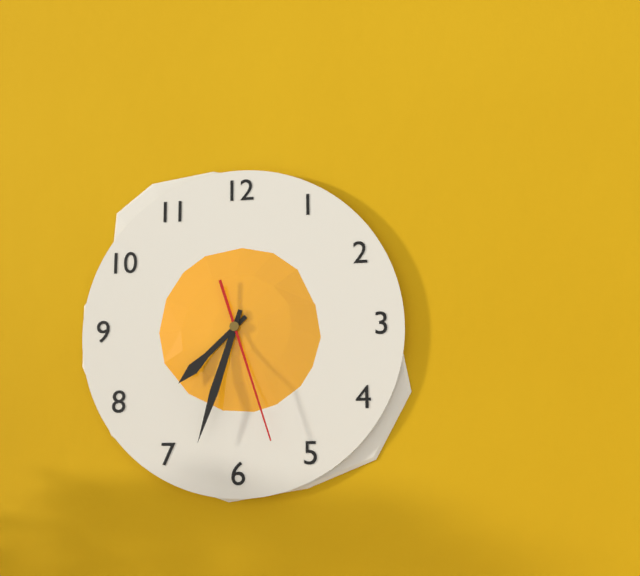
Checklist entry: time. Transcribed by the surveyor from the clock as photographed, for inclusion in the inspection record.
7:33:27
